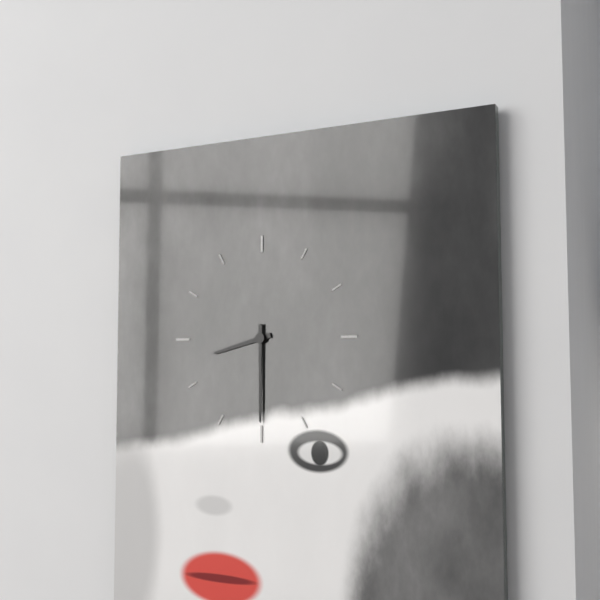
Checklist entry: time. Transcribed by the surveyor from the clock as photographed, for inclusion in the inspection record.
8:30
